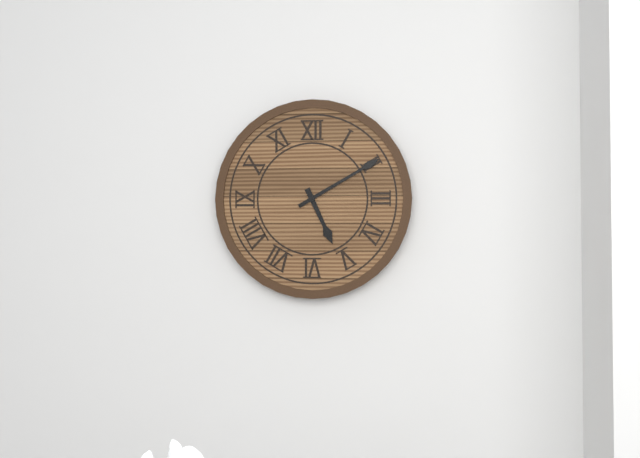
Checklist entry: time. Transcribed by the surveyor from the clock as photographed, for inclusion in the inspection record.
5:10
